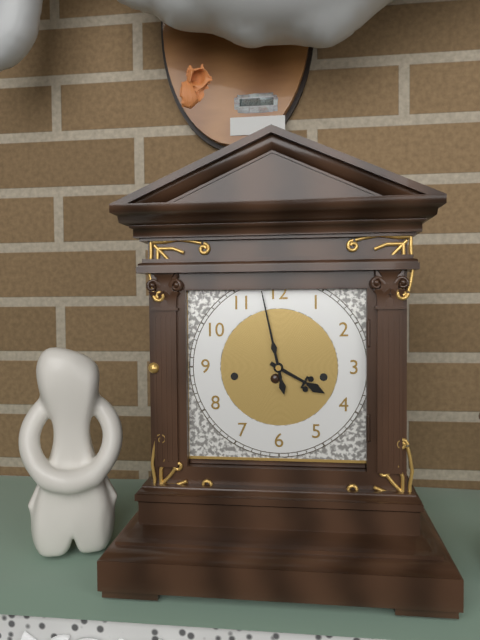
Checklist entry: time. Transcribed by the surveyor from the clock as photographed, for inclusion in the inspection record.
3:58
